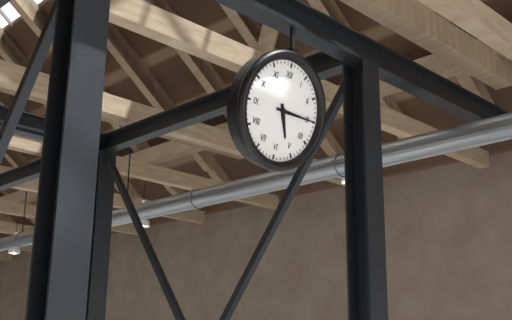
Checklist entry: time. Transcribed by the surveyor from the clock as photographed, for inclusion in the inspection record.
5:15
